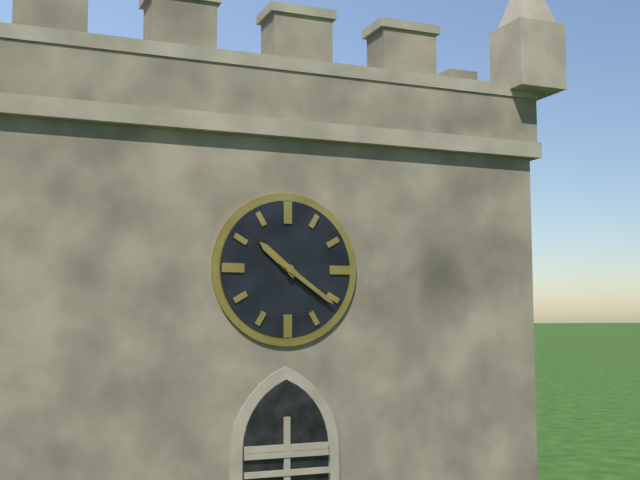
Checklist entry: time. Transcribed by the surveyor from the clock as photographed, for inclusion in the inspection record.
10:21
